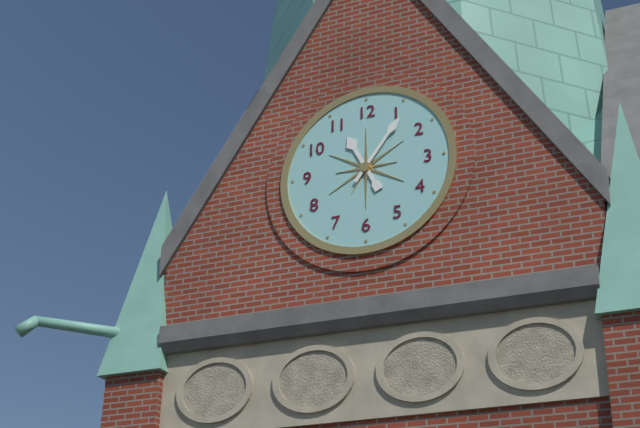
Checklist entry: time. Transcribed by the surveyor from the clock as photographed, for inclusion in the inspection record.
11:06
